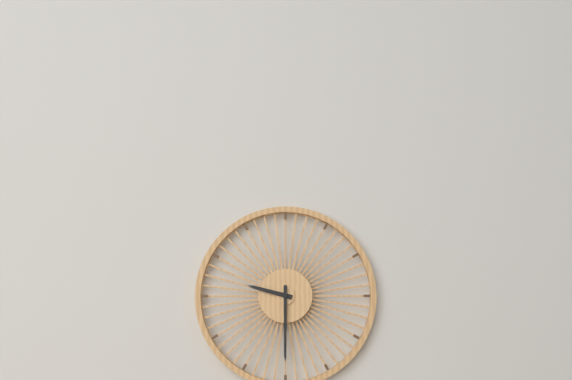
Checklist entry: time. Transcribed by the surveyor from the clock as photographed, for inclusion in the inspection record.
9:30
